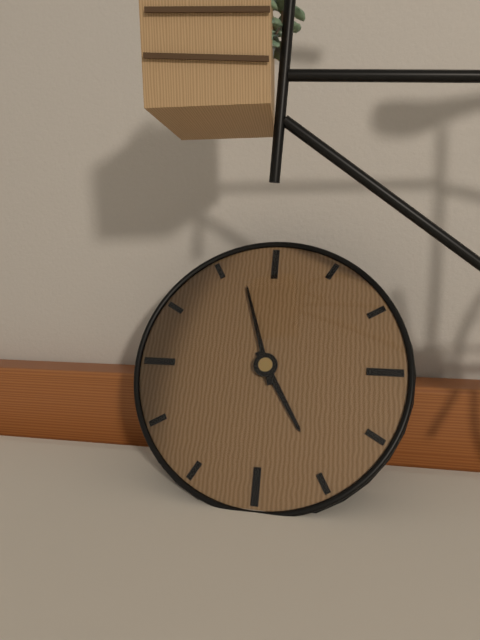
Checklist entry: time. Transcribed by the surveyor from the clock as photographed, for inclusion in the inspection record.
4:57
